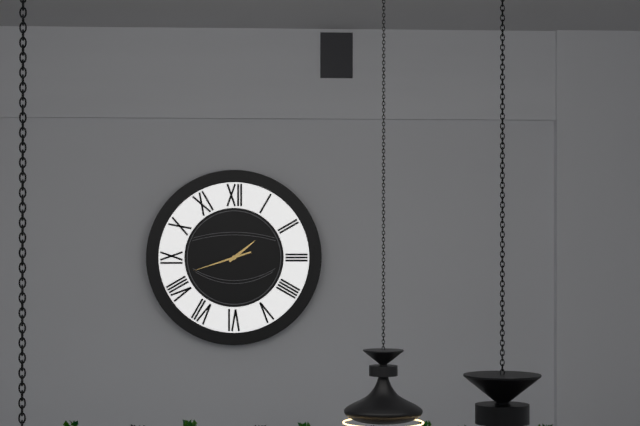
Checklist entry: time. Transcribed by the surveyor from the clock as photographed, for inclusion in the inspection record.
1:42
